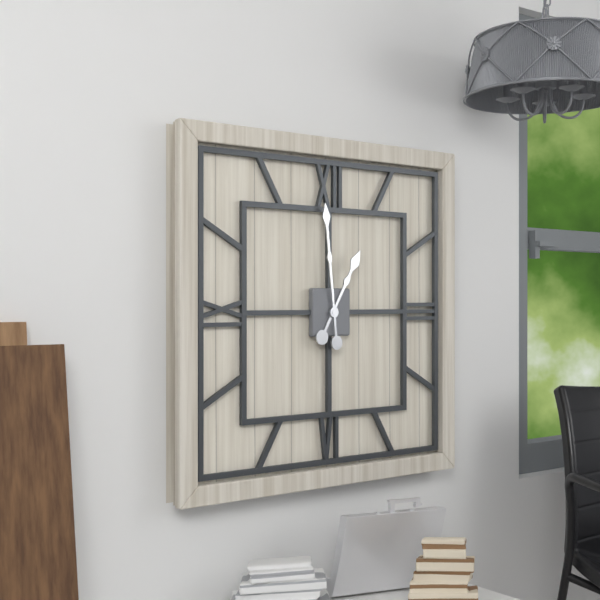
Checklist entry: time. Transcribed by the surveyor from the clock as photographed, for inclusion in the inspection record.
12:59
